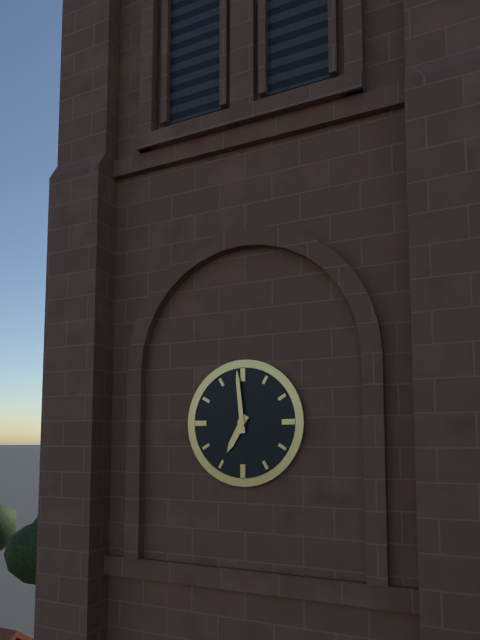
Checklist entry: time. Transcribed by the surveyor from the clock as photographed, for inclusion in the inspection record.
6:59
